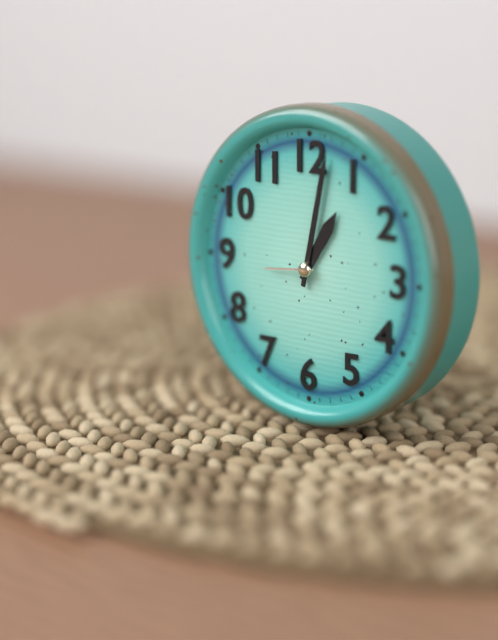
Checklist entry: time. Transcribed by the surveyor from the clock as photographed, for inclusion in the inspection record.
1:02:44
